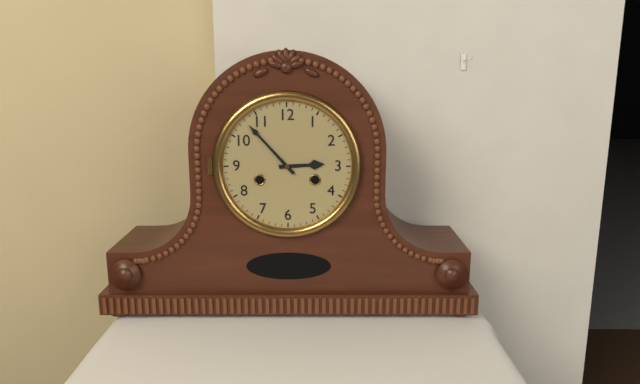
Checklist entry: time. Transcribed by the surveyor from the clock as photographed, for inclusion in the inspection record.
2:53
